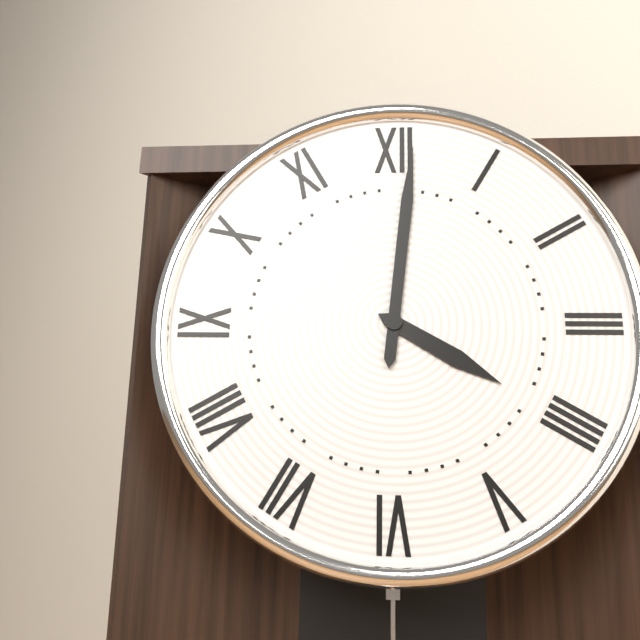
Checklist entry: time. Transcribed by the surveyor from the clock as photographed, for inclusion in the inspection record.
4:01
